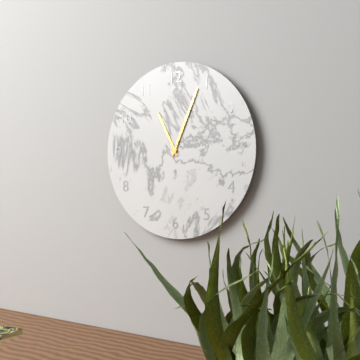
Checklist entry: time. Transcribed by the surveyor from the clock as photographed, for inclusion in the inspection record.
11:04
